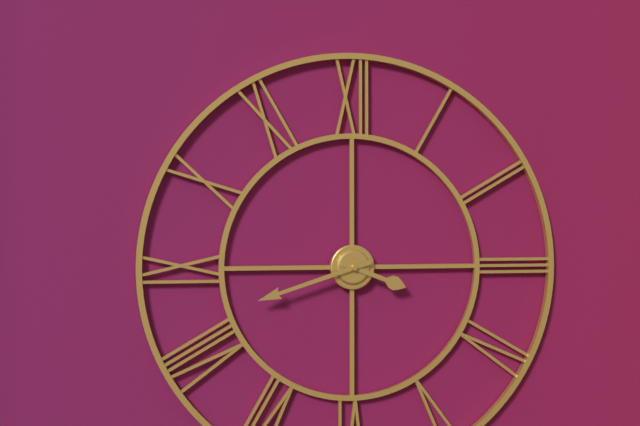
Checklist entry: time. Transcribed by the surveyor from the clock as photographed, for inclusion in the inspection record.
3:42
